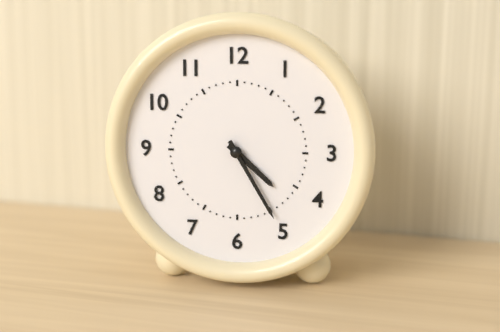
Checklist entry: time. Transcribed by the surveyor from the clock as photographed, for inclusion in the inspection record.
4:25
